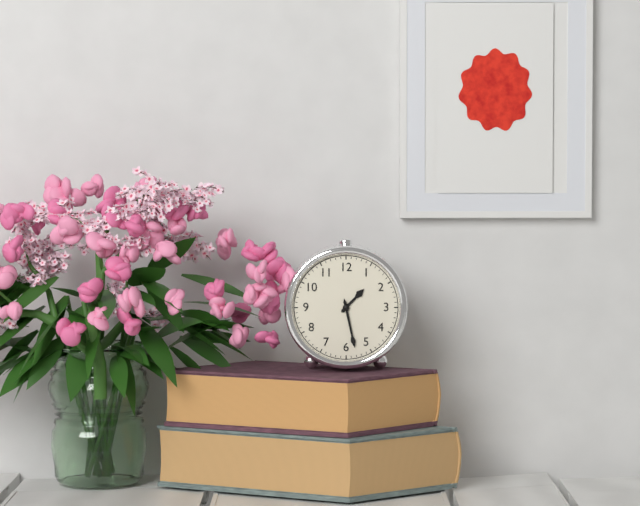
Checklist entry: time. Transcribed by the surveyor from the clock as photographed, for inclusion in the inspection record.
1:28
